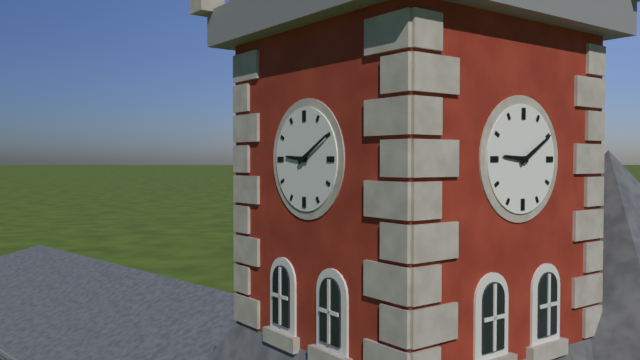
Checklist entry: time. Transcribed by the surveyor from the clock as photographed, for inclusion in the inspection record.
9:10
